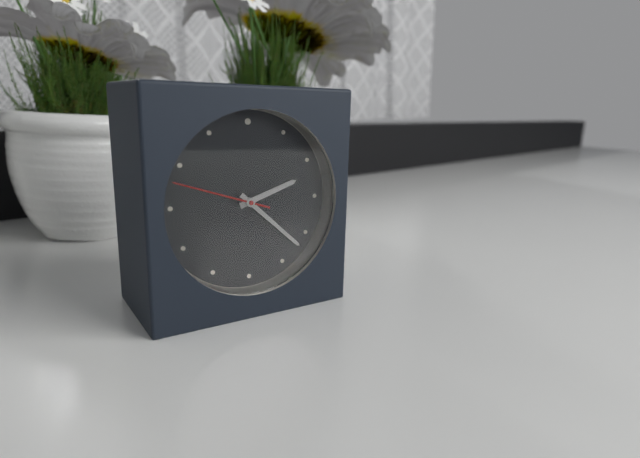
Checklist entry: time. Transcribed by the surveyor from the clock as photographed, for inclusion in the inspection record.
2:22:48
